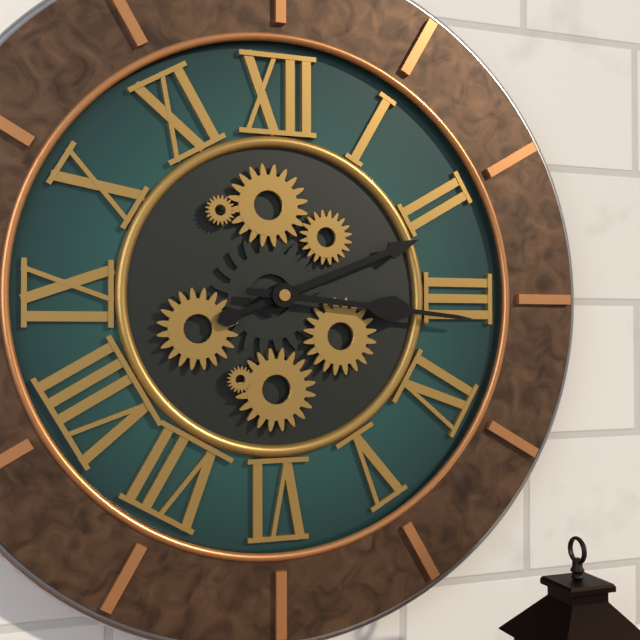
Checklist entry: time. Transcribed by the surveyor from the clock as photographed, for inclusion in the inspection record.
2:16
